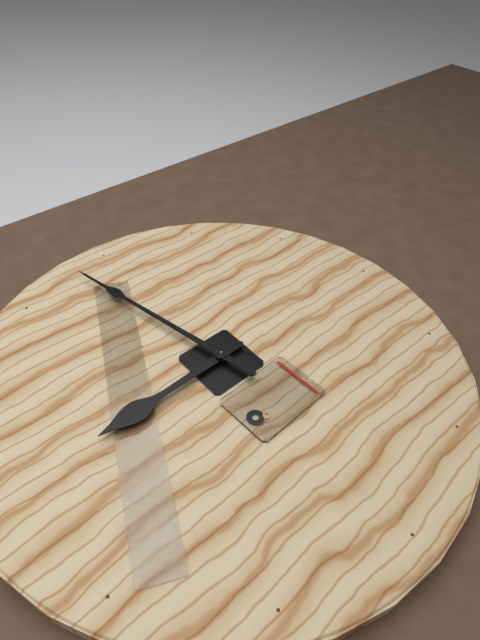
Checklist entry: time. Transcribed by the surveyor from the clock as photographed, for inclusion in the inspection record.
8:58
